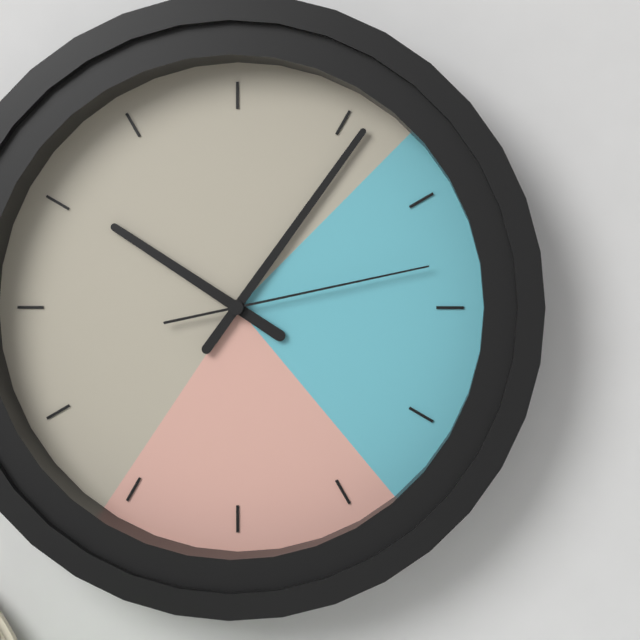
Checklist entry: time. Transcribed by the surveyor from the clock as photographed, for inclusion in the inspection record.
10:06:13
